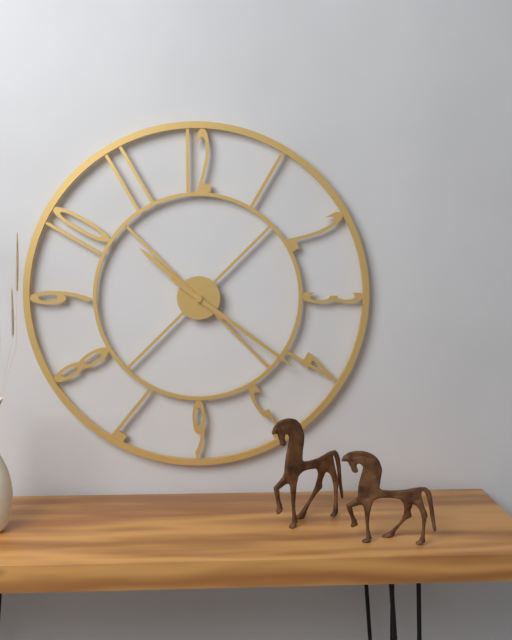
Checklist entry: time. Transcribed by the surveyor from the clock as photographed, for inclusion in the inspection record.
10:21
